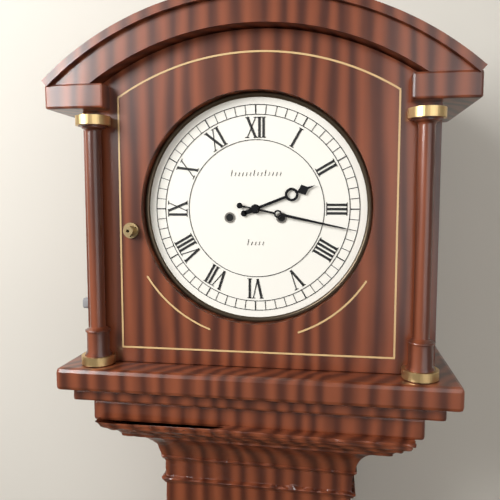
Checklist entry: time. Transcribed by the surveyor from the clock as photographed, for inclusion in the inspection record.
2:17
